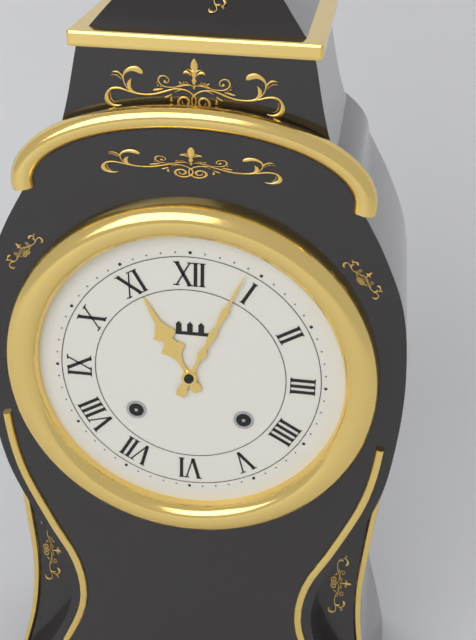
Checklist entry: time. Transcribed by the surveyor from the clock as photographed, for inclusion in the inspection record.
11:04
